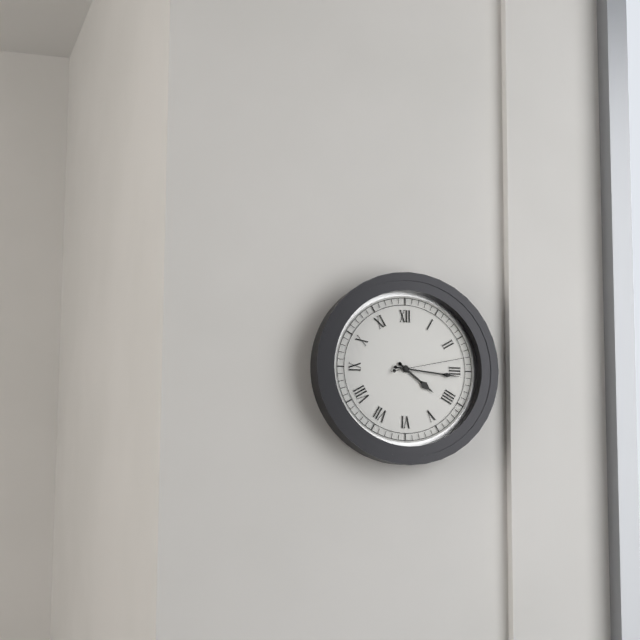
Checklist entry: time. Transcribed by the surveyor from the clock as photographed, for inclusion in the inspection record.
4:16:13
